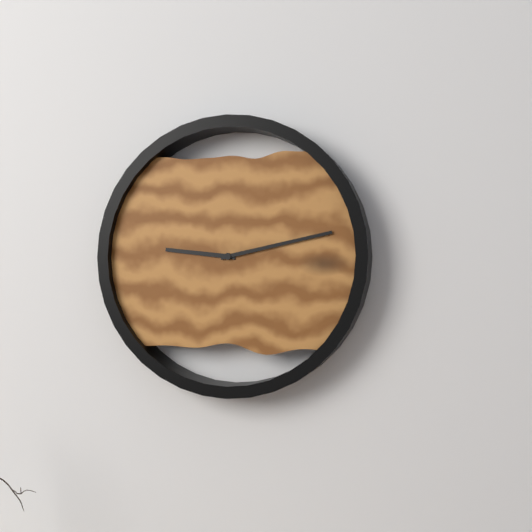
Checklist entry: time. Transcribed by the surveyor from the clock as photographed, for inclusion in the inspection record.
9:13
